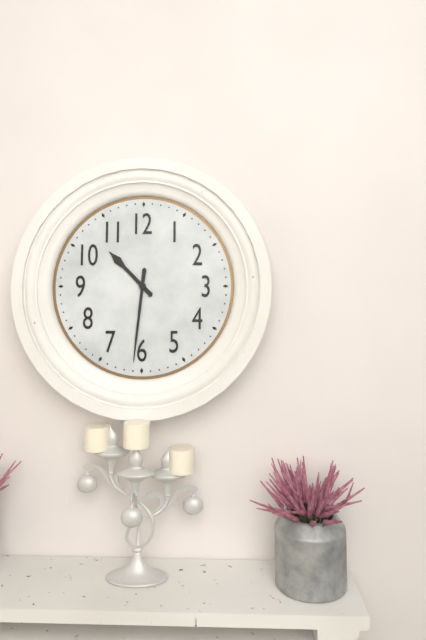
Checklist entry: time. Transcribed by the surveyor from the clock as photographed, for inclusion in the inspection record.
10:31
